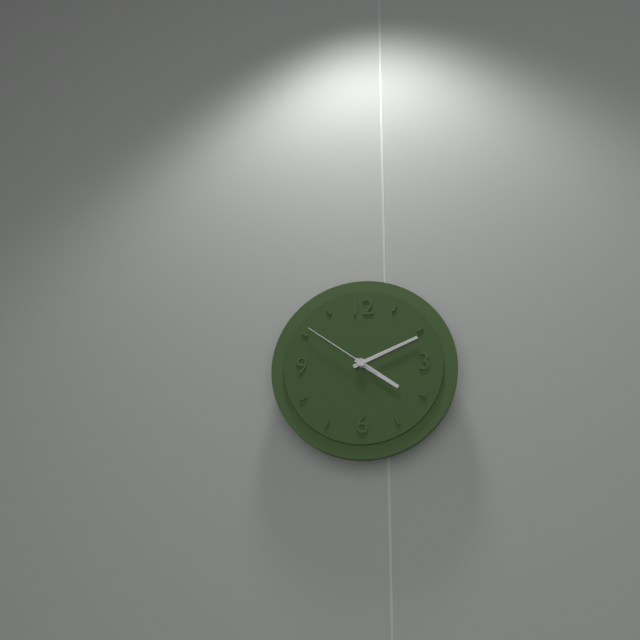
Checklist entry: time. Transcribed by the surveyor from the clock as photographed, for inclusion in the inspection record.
4:11:51
